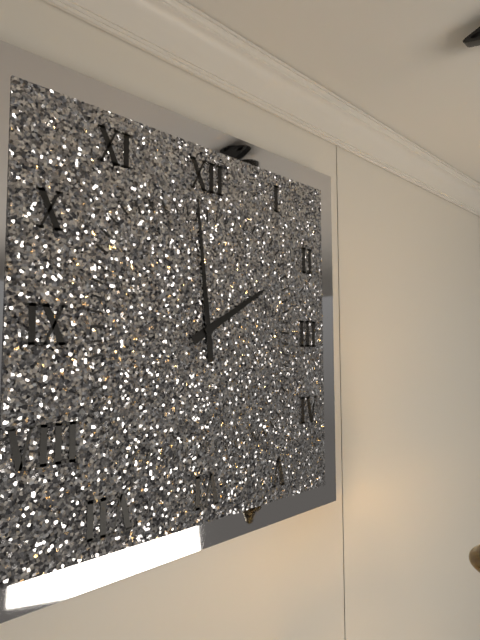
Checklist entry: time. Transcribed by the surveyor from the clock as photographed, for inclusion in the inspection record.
1:59
